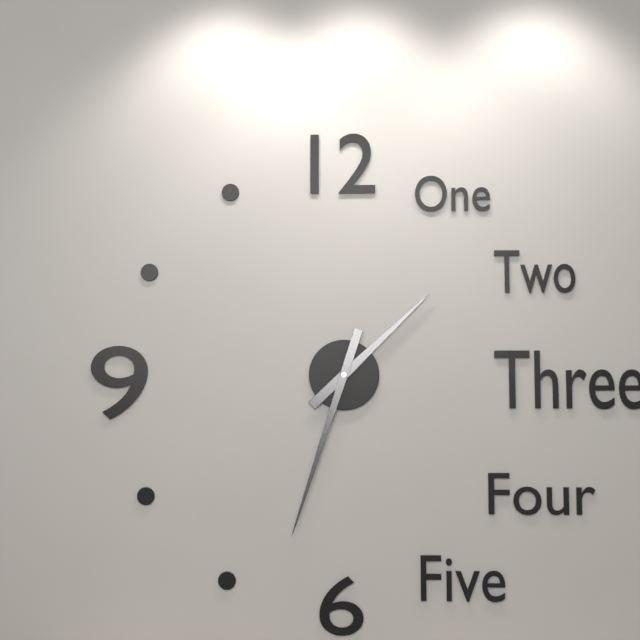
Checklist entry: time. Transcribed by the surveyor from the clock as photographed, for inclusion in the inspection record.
1:33
